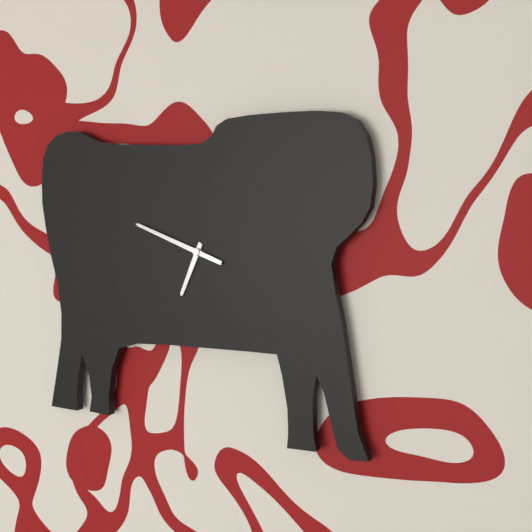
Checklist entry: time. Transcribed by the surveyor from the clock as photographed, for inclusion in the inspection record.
6:48
